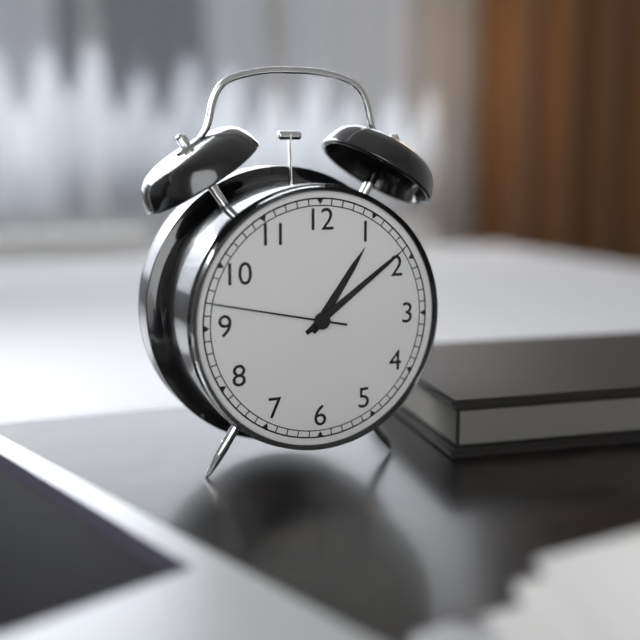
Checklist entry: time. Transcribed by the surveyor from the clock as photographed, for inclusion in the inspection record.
1:09:47
